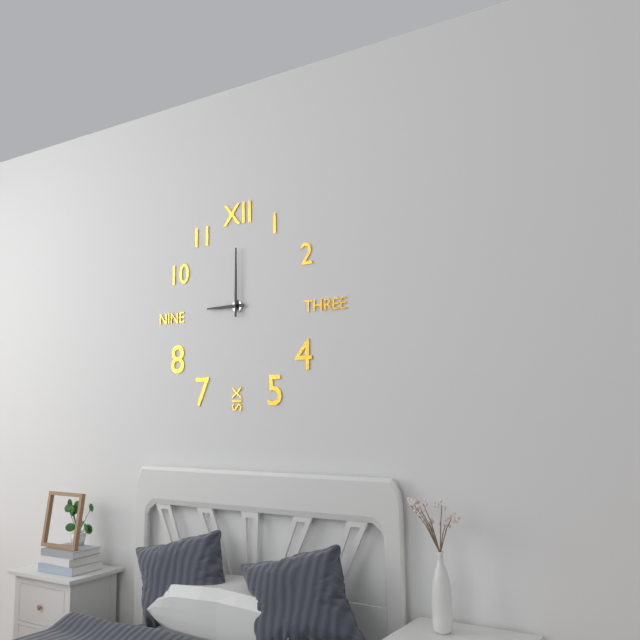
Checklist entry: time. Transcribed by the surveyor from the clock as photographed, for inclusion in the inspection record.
9:00
